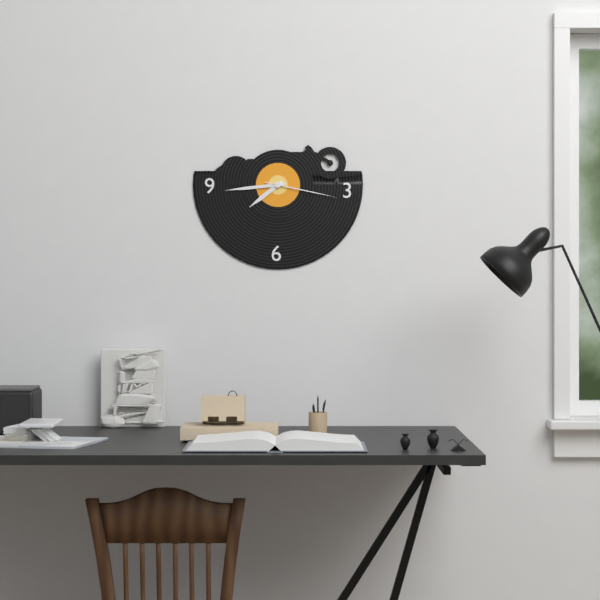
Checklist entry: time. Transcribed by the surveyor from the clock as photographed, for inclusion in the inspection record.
7:44:17
